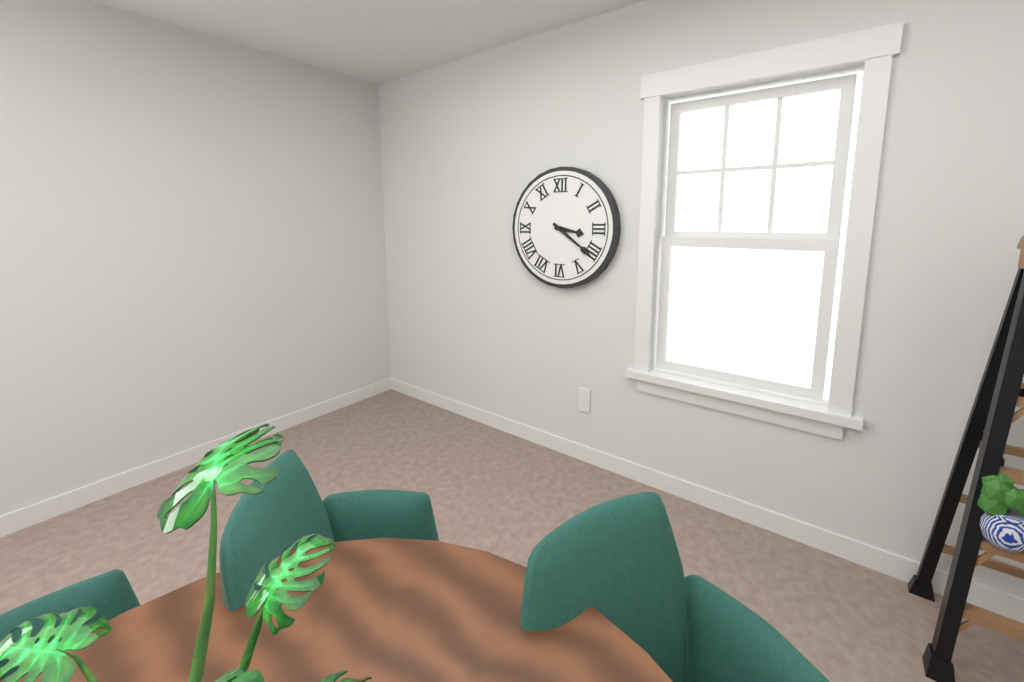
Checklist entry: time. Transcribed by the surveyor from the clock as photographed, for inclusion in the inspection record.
3:21
